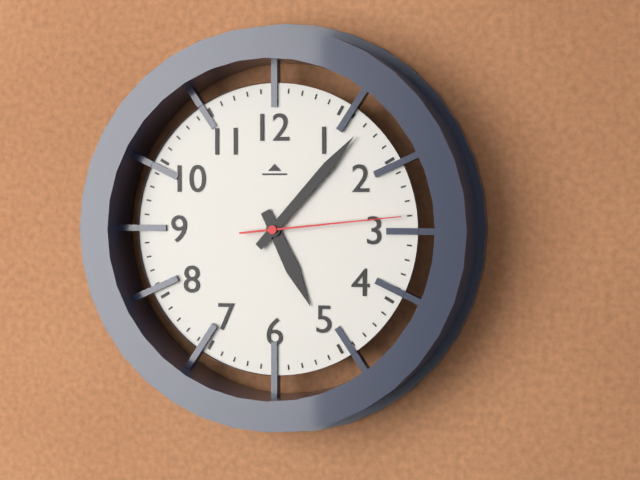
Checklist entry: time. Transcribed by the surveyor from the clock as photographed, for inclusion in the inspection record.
5:07:14
